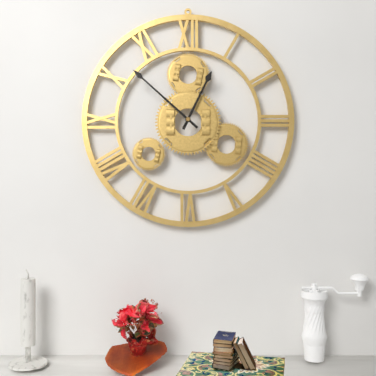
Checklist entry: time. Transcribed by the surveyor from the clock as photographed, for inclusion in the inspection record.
12:52
